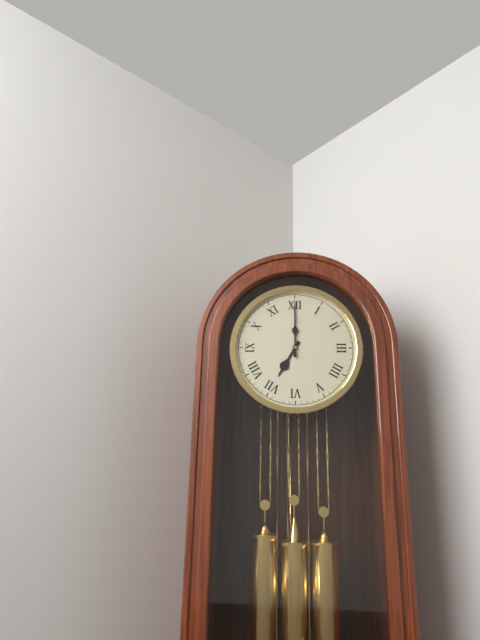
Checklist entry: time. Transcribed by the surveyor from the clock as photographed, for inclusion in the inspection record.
7:00
